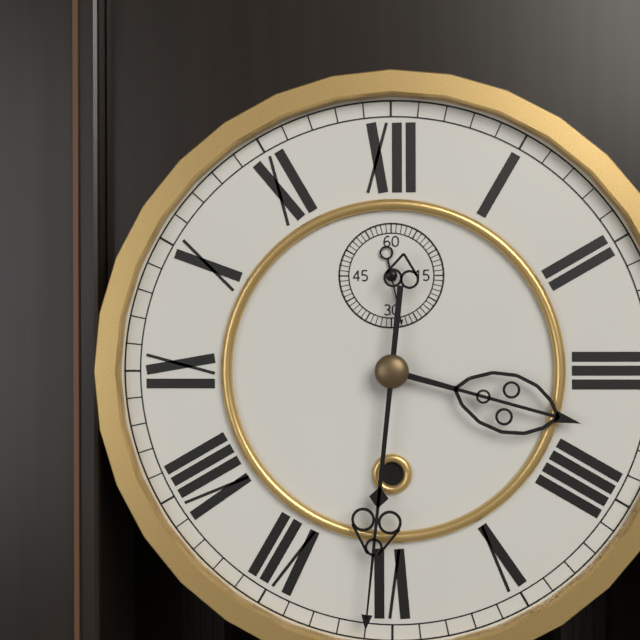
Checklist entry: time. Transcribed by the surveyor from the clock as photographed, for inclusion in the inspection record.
3:31:28
